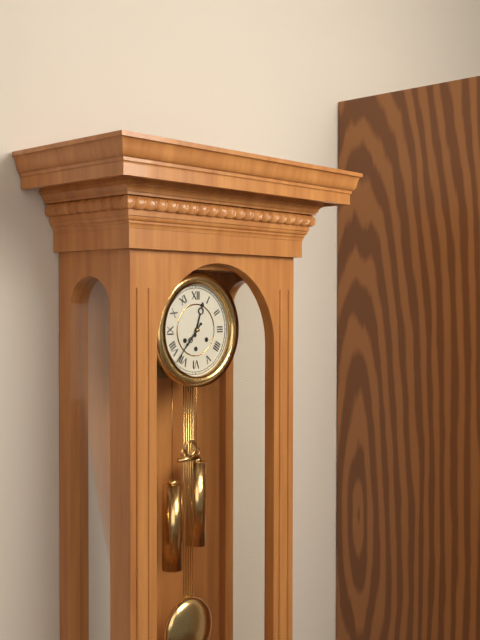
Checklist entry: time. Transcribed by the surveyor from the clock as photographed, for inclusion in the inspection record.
12:37
